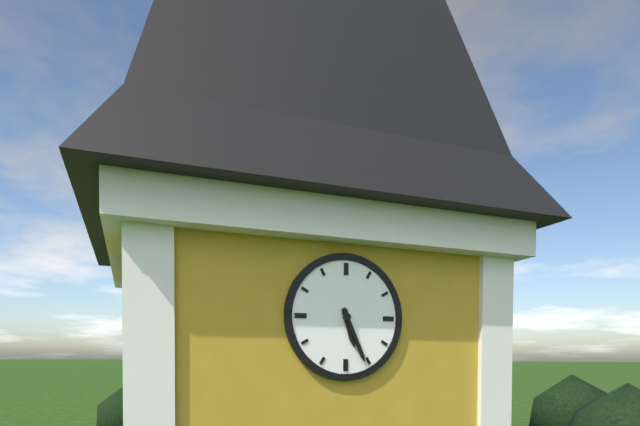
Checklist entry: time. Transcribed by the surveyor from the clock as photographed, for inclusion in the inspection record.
5:26
